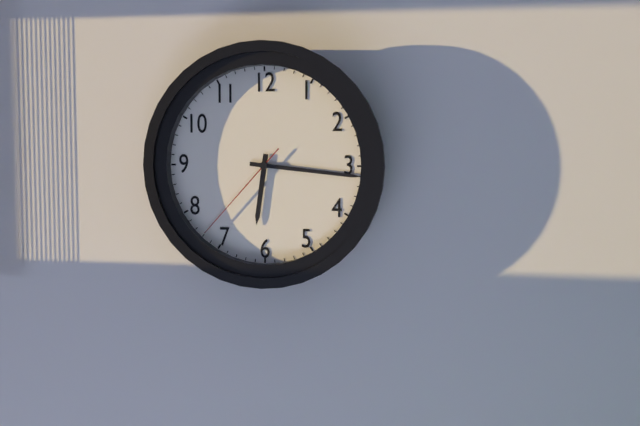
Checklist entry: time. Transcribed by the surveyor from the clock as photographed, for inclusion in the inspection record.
6:16:37
